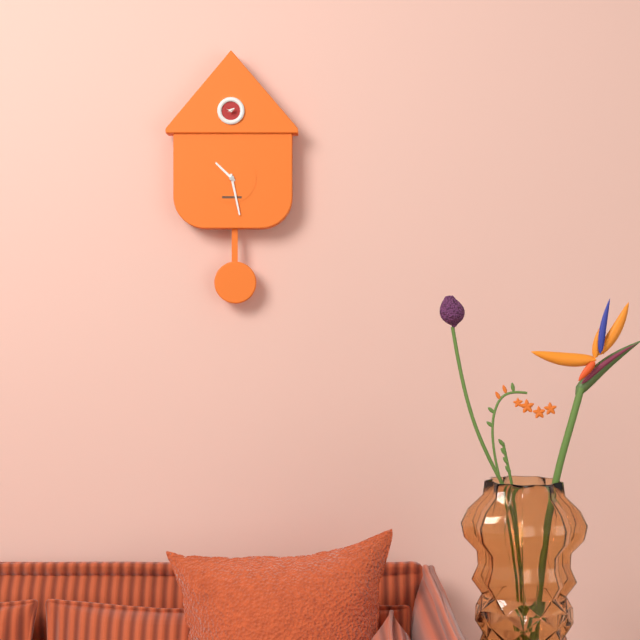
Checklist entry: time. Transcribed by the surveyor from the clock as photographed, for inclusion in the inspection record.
10:28
